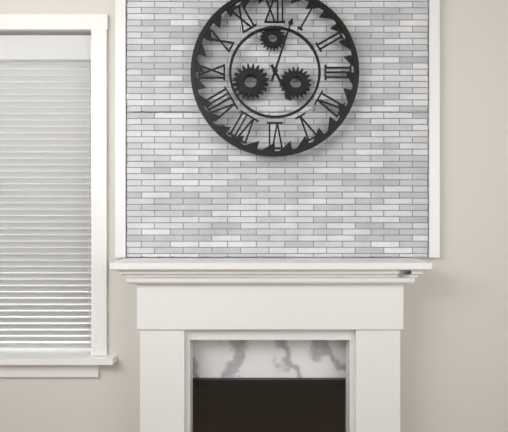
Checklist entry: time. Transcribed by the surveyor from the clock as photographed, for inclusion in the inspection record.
5:03
